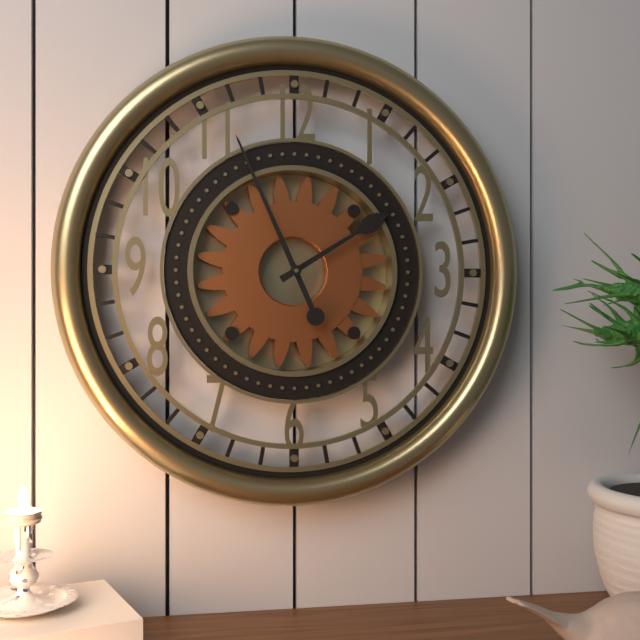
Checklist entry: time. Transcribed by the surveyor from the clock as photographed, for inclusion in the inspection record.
1:56
